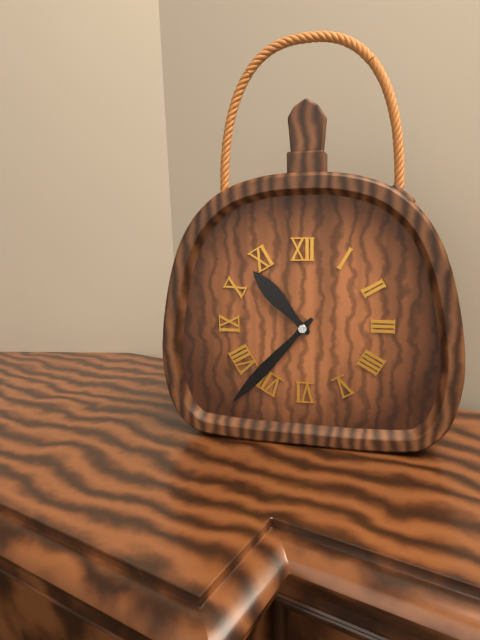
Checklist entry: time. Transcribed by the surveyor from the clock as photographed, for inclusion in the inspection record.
10:37
